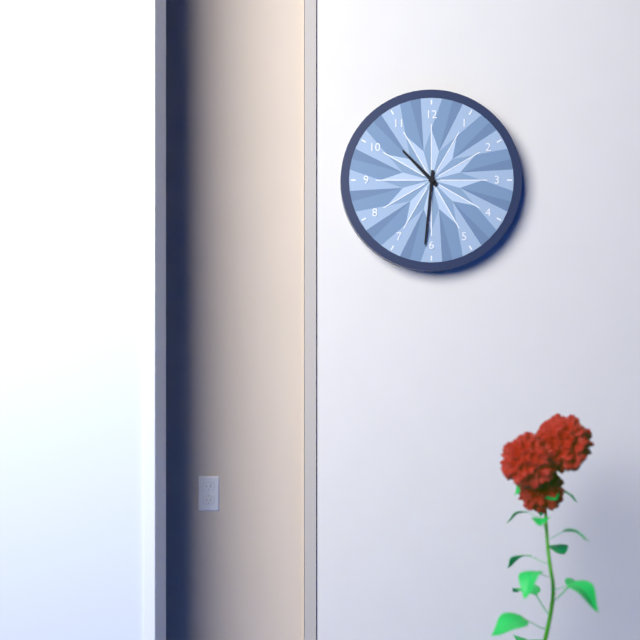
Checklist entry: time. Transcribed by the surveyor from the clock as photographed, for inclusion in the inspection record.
10:31
